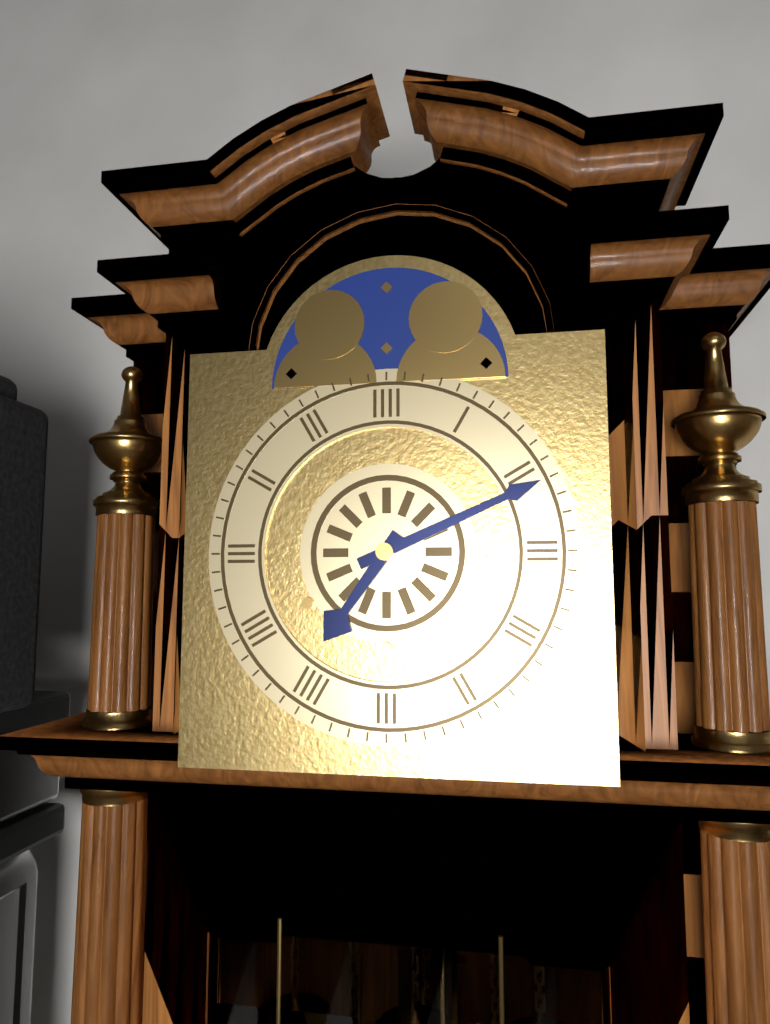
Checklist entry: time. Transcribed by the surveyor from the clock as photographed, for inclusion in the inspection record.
7:11
